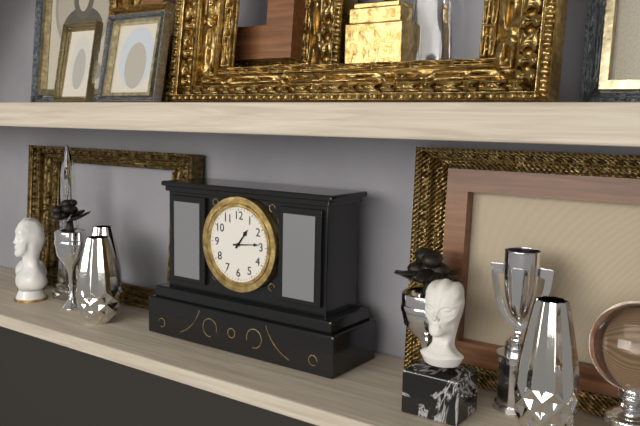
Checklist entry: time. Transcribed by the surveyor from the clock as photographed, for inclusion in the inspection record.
1:14
